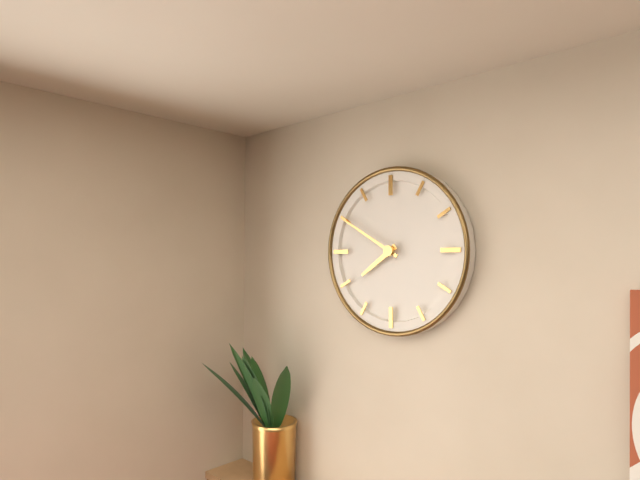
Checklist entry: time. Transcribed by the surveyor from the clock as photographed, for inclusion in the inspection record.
7:50
